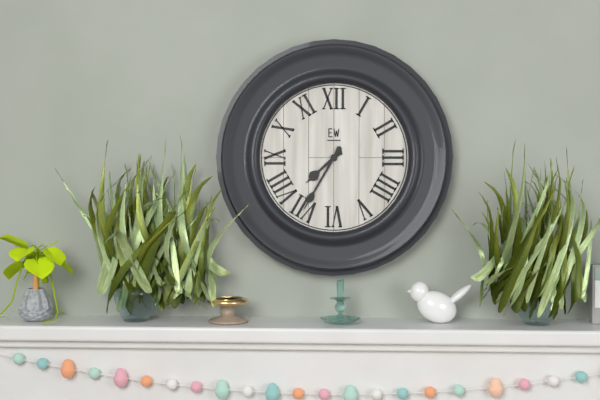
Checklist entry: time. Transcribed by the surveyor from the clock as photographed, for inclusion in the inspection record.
7:35
